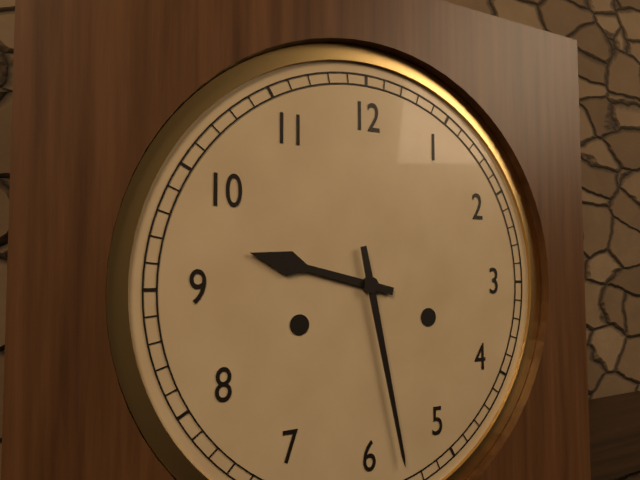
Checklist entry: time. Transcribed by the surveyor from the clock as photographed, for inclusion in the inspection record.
9:28
